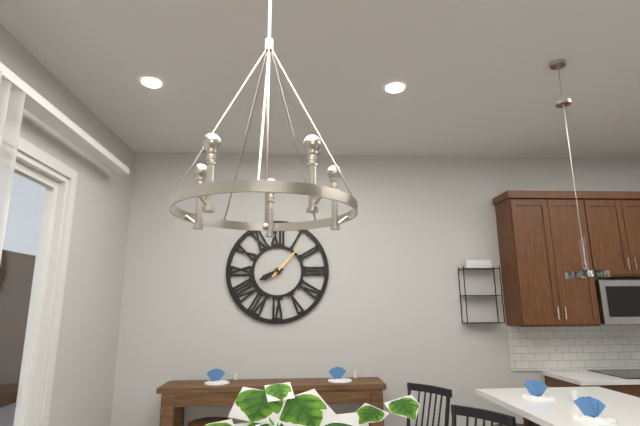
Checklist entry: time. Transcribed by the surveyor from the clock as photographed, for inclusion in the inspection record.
8:07
